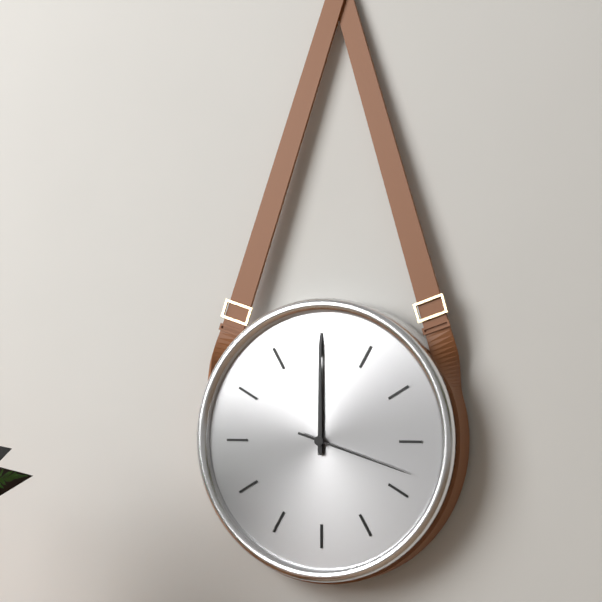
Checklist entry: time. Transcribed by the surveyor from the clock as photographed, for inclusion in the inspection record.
12:00:18
